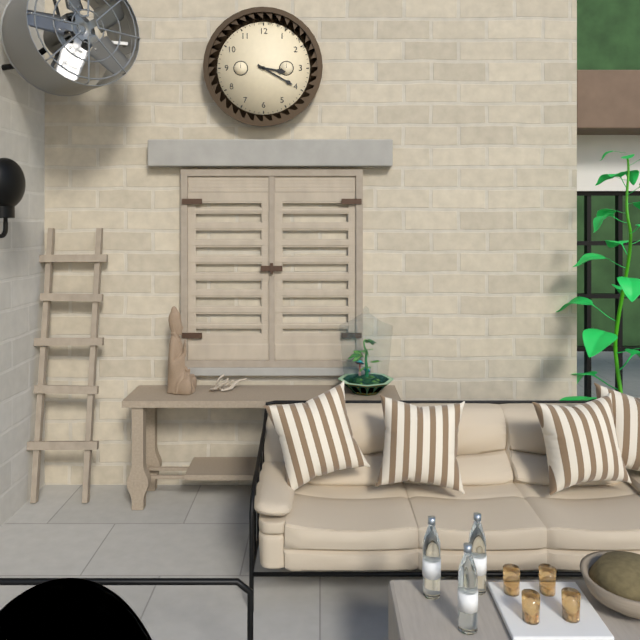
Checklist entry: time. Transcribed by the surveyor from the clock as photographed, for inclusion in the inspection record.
3:20
